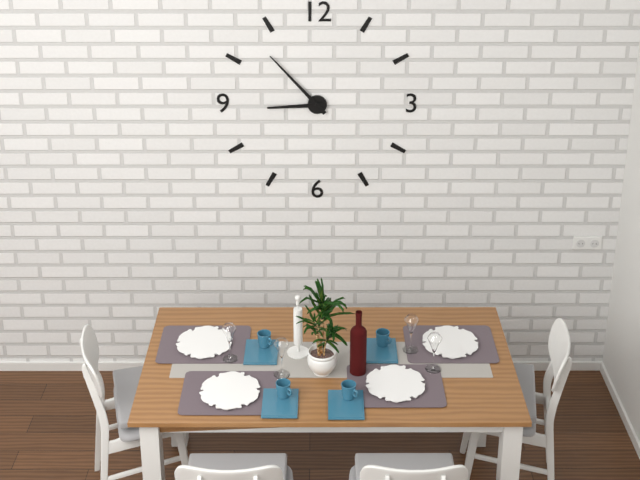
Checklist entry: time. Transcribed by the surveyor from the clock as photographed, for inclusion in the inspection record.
8:53
